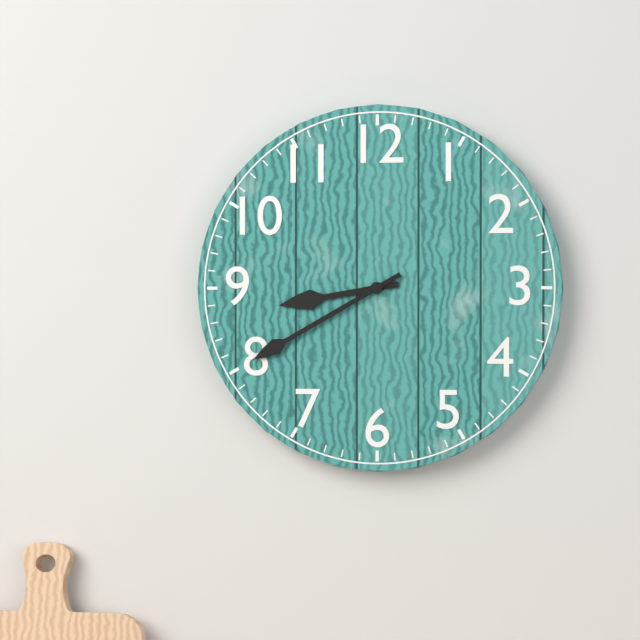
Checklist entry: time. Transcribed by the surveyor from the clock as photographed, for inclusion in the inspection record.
8:40
